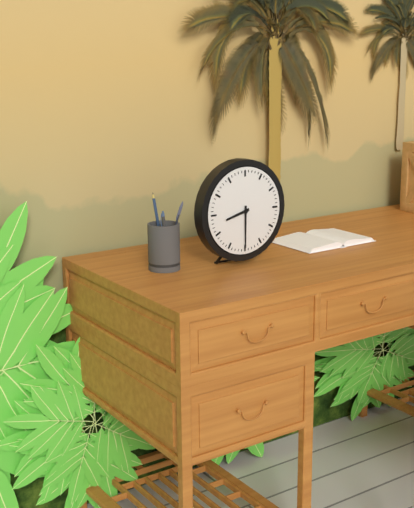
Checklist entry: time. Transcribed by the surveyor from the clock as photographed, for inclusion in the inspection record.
8:30
